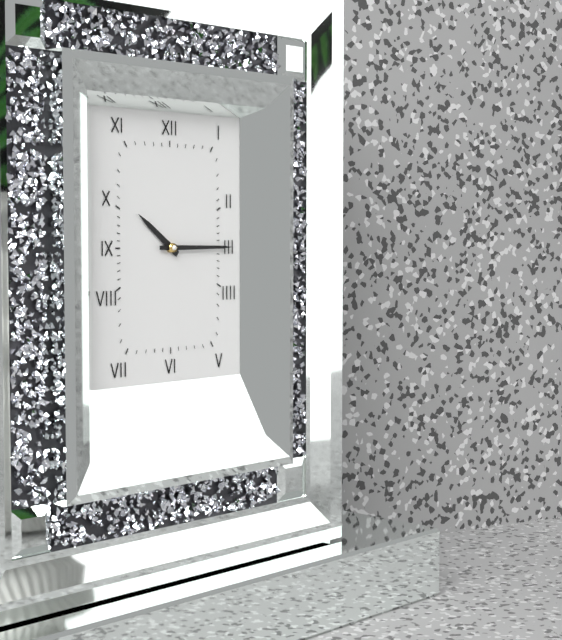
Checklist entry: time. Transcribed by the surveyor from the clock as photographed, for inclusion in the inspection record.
10:15
